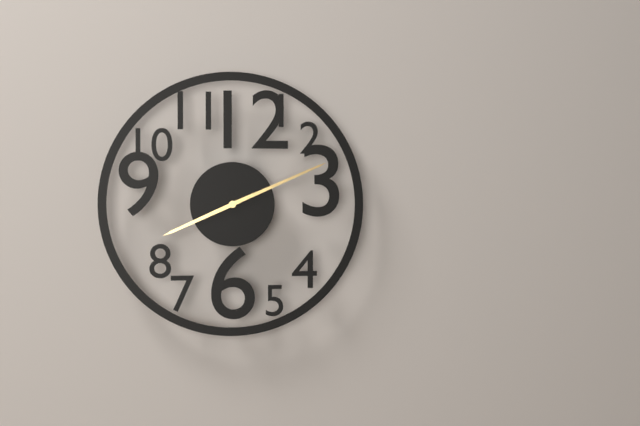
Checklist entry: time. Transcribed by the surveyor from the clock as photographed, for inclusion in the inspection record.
8:11
